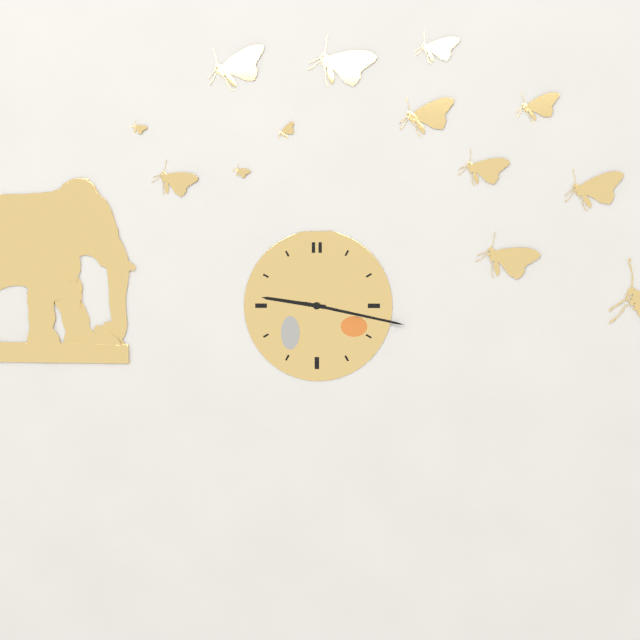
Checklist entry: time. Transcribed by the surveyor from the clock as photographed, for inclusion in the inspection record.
9:17
